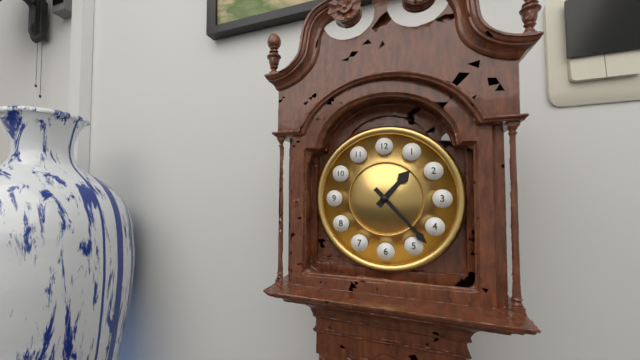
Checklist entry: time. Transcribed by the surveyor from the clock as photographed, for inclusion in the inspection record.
1:23
